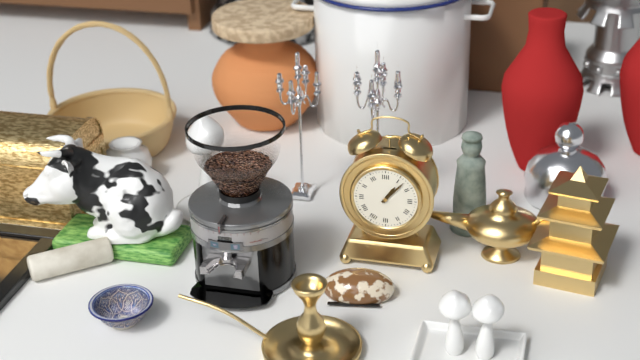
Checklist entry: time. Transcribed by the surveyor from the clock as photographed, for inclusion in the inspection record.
1:07
